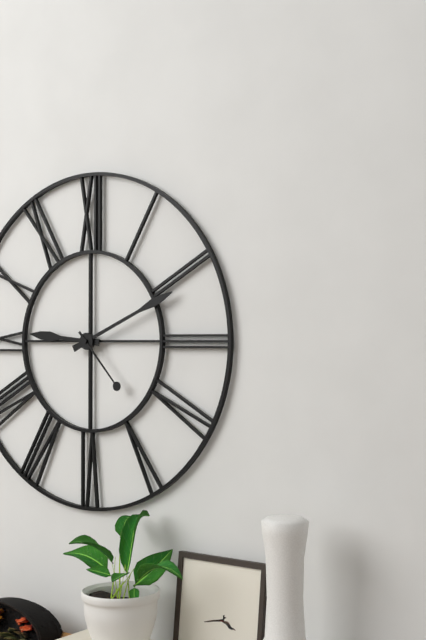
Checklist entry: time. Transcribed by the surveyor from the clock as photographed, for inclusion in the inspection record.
9:11:23
